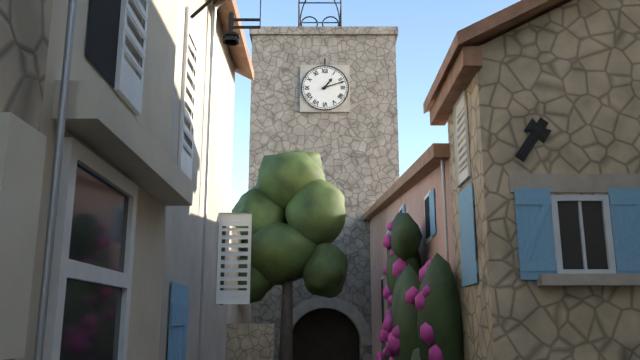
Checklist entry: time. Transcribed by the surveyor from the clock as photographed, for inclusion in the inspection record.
1:12
